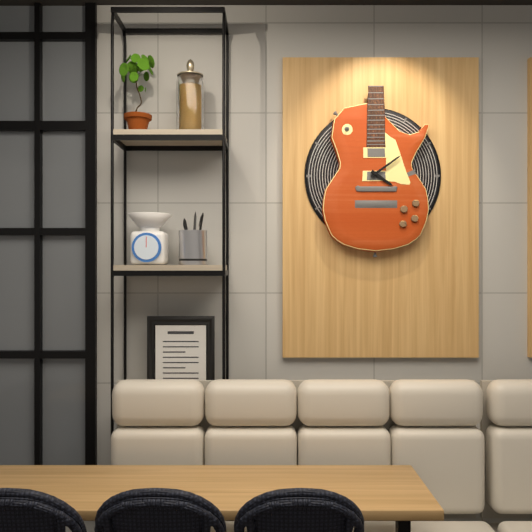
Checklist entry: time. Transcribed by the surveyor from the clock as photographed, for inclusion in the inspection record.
4:09
